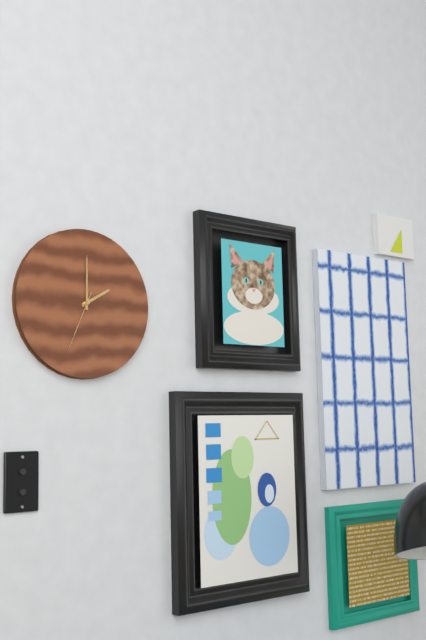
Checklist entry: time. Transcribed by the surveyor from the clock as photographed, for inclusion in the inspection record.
2:00:34
